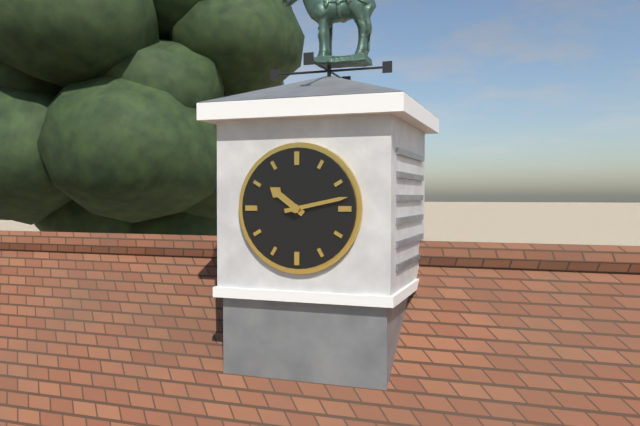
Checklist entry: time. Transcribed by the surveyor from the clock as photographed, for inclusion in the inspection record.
10:13
